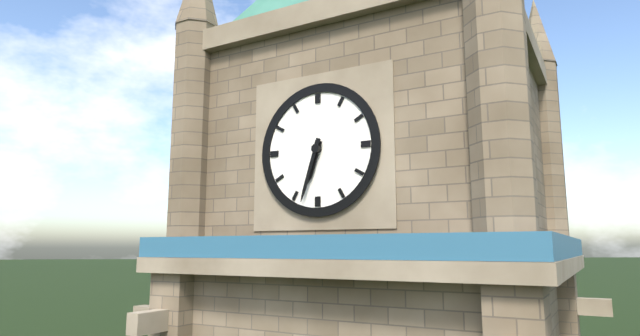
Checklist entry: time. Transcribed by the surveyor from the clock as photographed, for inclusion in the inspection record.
6:33
